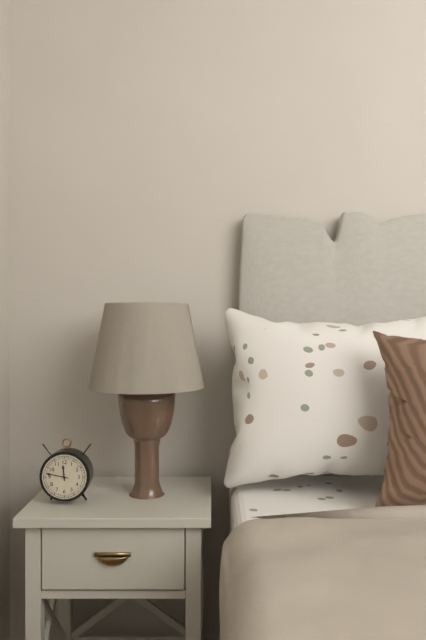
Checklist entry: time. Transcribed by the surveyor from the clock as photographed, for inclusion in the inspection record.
11:47
